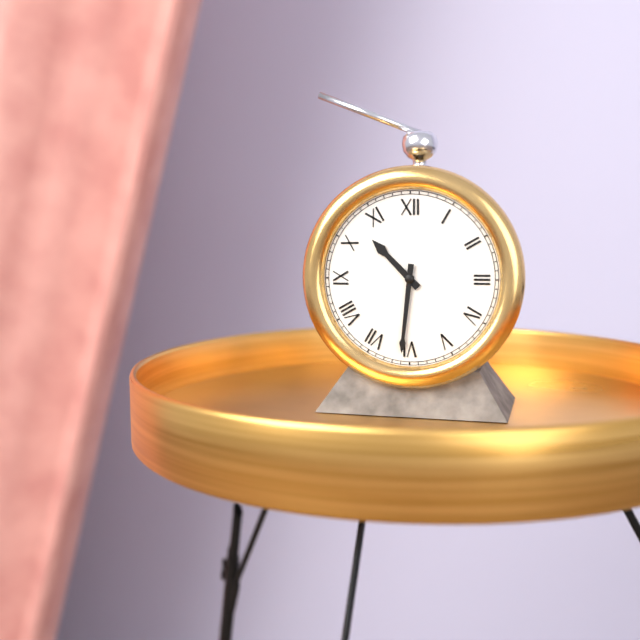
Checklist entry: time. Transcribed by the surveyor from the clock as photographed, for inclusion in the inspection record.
10:31
